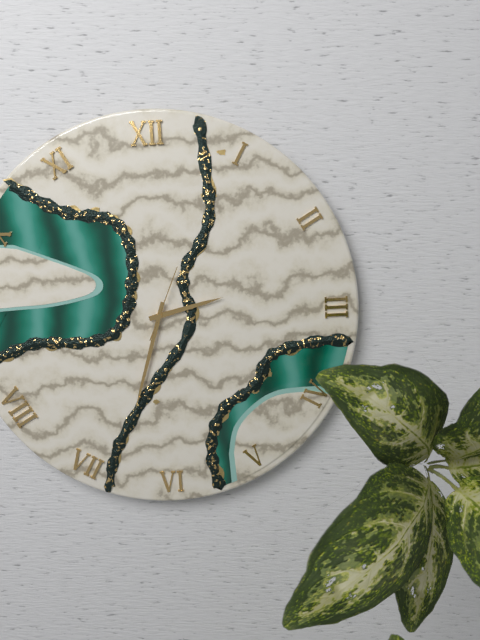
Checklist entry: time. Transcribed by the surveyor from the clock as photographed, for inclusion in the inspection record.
2:33:04
